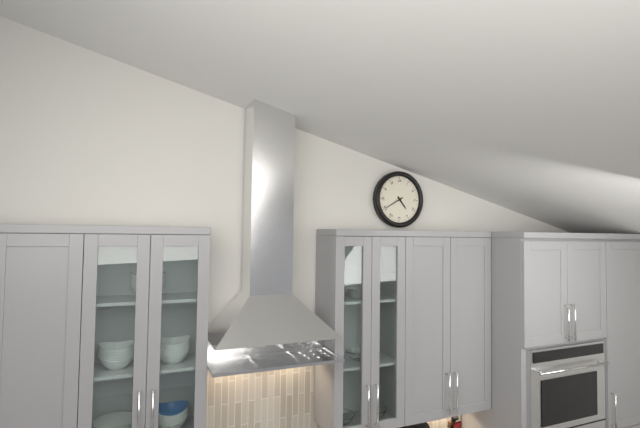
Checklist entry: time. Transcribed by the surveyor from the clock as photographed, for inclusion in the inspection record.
4:40
